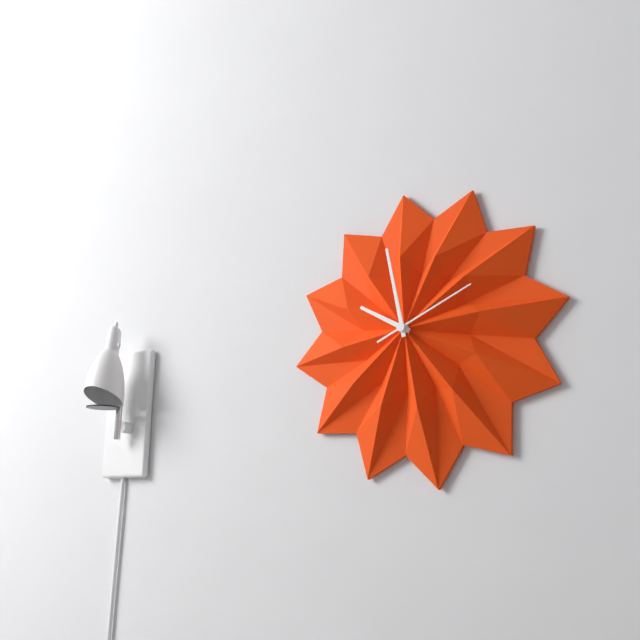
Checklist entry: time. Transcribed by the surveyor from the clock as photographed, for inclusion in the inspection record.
9:58:11
